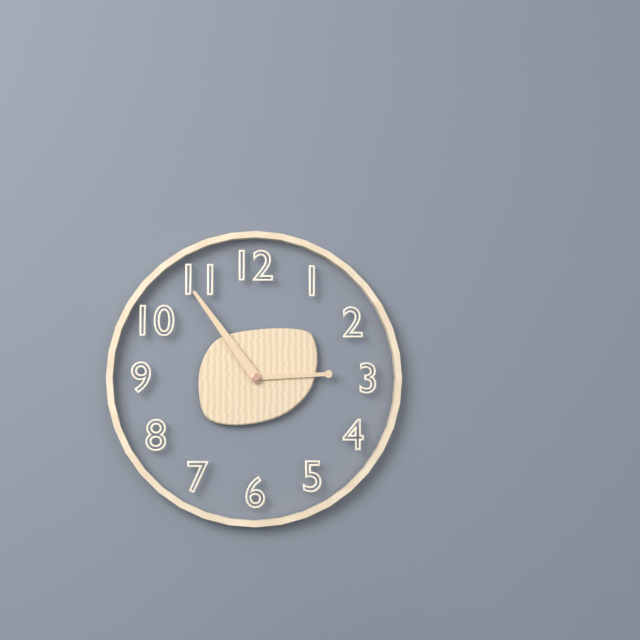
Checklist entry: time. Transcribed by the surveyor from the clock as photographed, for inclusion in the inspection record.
2:54
